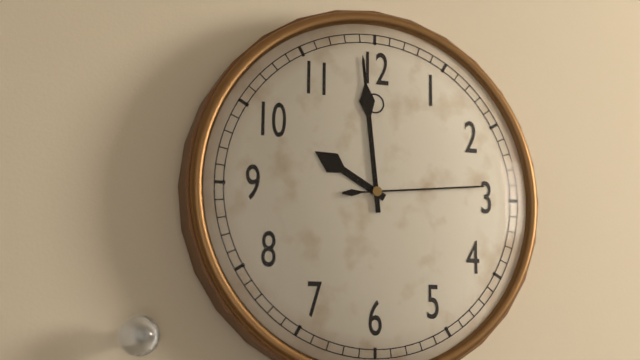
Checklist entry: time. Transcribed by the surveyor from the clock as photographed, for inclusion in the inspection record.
9:59:14
